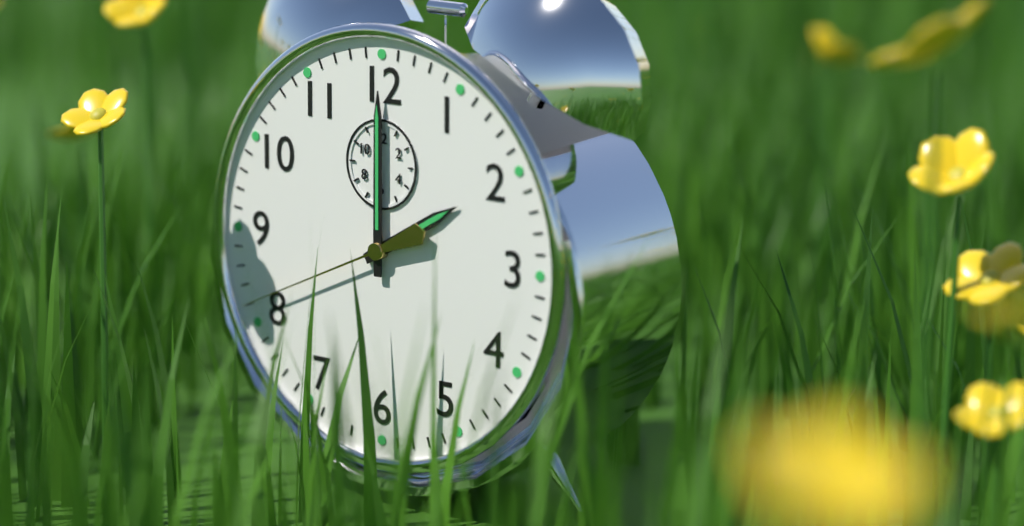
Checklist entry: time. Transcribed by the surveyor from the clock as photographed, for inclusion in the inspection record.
2:00:41
